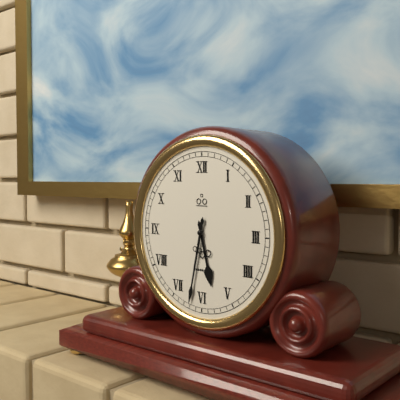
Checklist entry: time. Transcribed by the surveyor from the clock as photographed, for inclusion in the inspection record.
5:32
